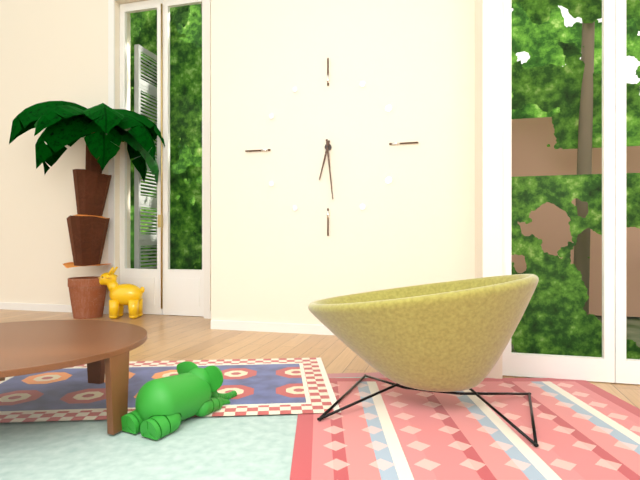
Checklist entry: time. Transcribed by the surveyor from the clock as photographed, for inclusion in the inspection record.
6:29
